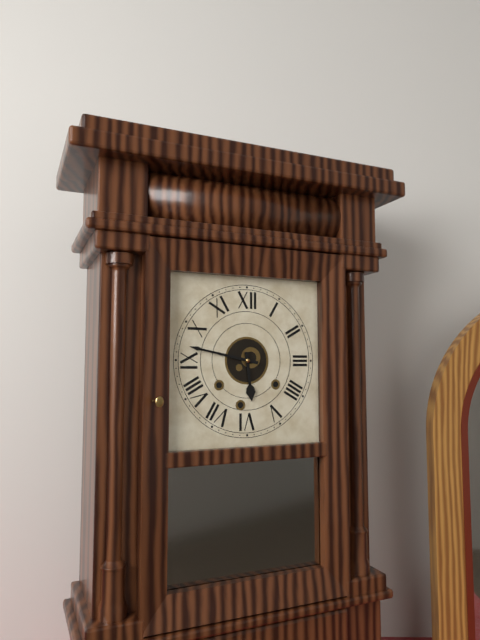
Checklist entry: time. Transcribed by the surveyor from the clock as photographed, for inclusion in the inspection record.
5:47
